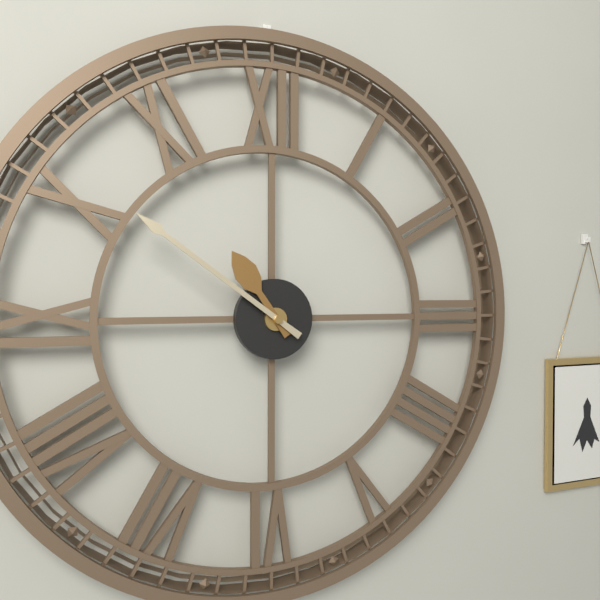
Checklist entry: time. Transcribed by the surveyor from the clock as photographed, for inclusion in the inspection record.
10:51
